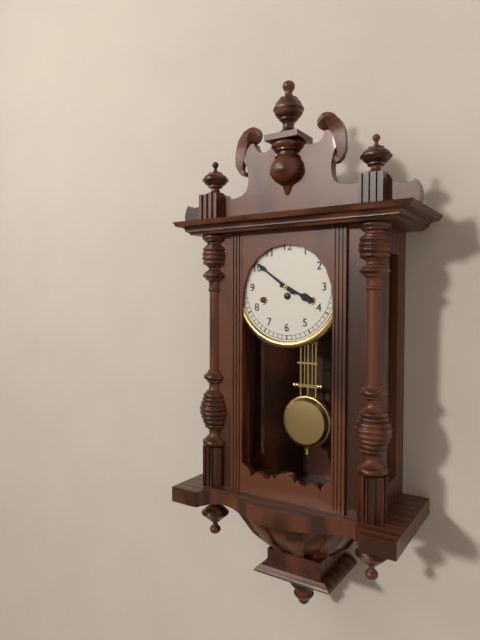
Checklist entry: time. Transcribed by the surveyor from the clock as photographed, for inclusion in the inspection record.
3:51
